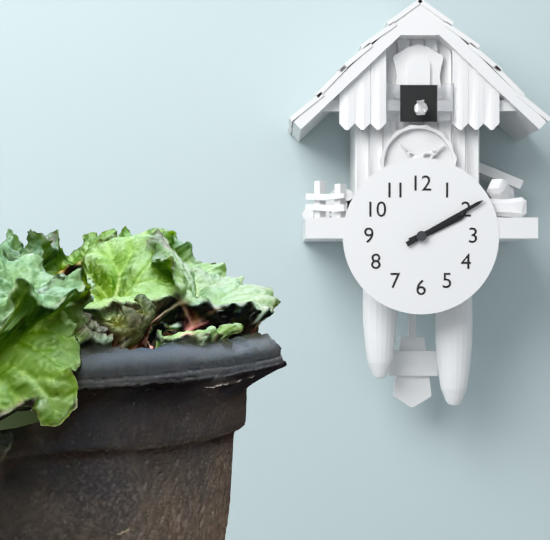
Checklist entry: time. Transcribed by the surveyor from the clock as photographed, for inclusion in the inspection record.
2:10
